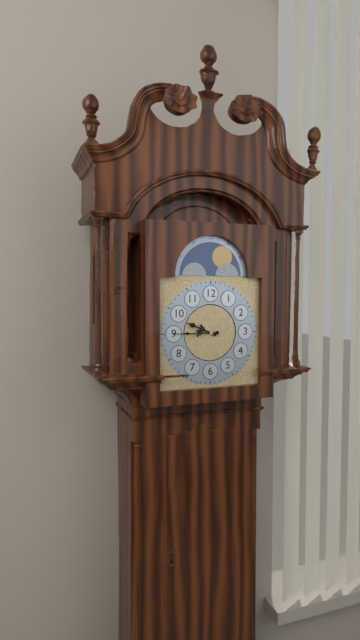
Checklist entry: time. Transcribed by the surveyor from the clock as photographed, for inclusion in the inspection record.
9:45
